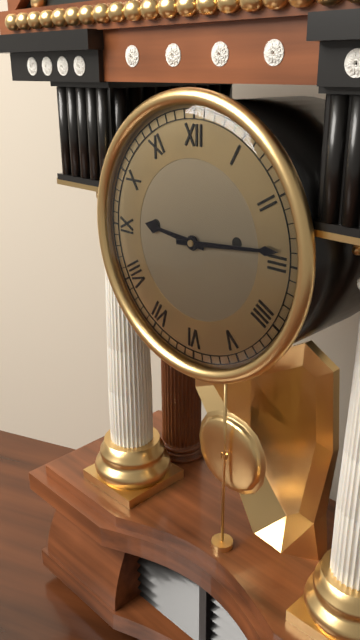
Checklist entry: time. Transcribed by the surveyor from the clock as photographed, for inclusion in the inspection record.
9:14
